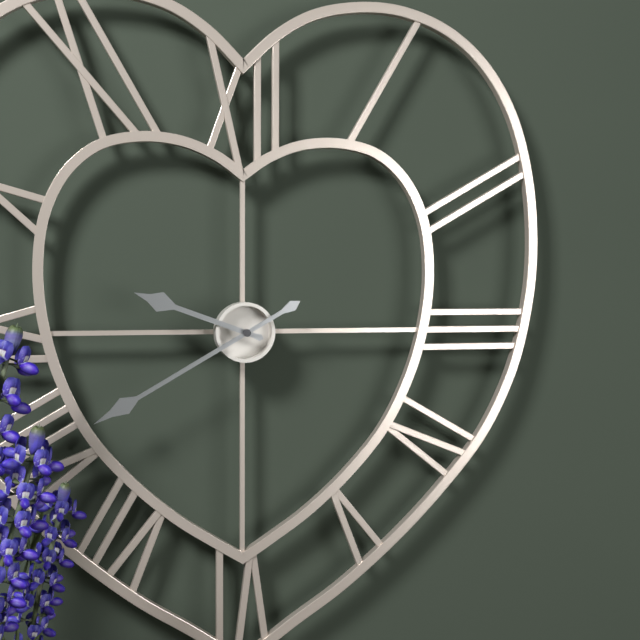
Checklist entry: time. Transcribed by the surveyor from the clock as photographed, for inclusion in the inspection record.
9:40
